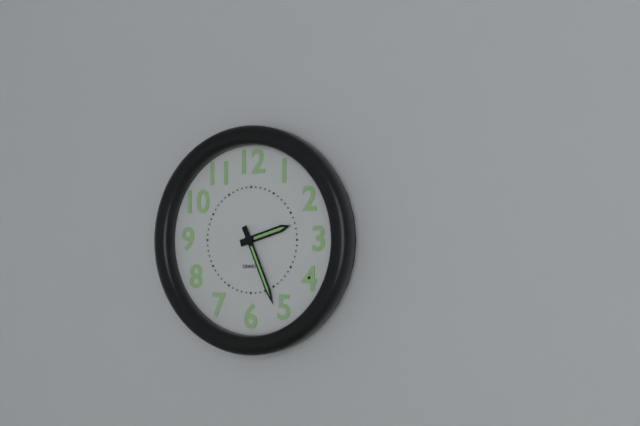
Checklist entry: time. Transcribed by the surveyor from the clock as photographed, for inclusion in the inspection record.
2:26
